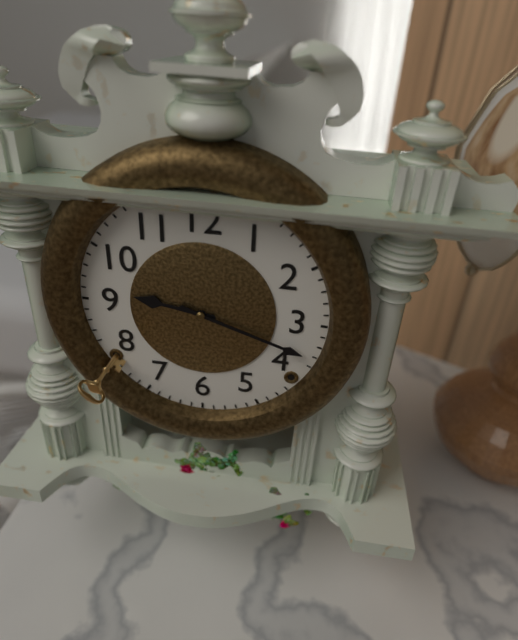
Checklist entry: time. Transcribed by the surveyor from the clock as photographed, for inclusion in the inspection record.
9:18
